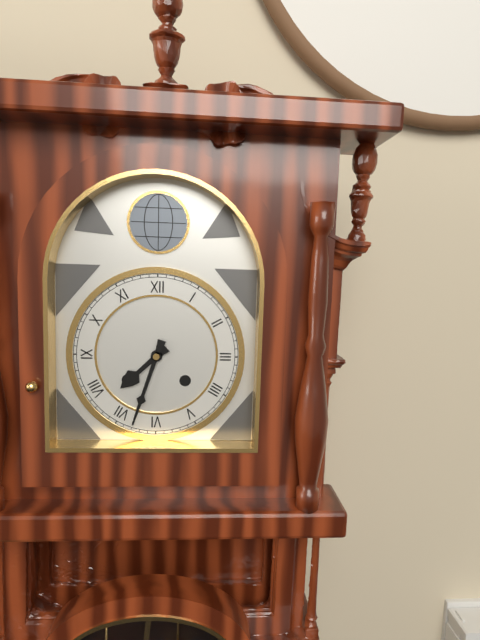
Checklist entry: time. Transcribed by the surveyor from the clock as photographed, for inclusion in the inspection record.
7:33
